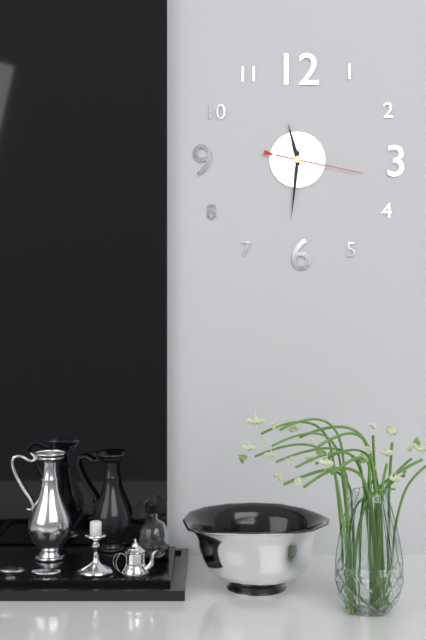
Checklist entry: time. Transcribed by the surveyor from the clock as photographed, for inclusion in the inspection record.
11:31:17
